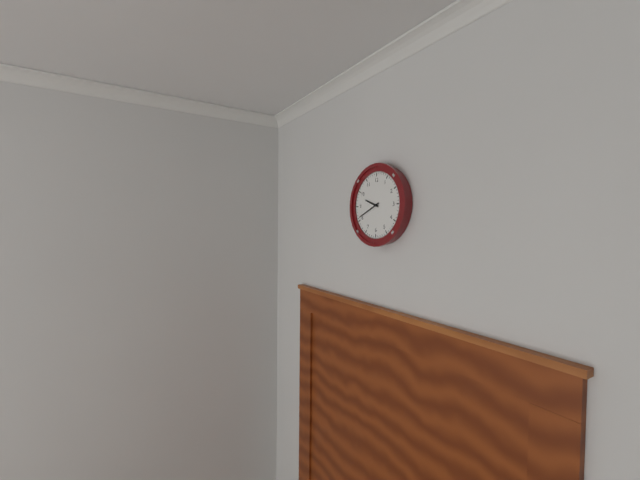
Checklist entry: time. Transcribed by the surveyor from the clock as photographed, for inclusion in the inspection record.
9:41
